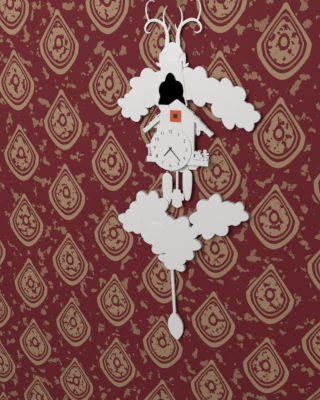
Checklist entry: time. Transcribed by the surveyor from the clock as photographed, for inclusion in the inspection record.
7:23
